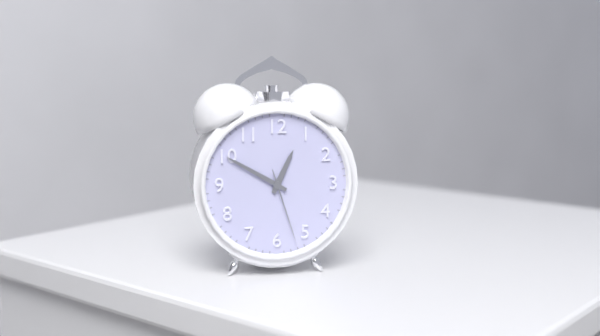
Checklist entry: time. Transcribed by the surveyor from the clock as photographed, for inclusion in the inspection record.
12:50:27
